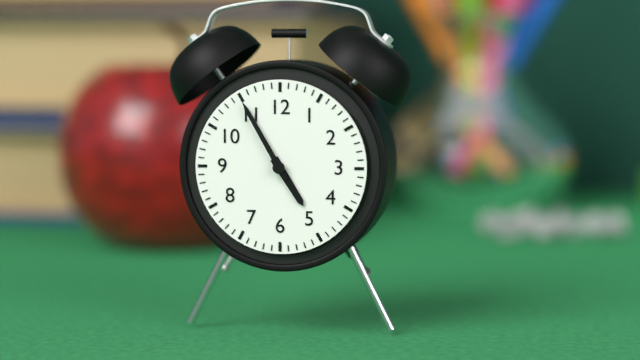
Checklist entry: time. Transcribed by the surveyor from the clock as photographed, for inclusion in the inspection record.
4:55
